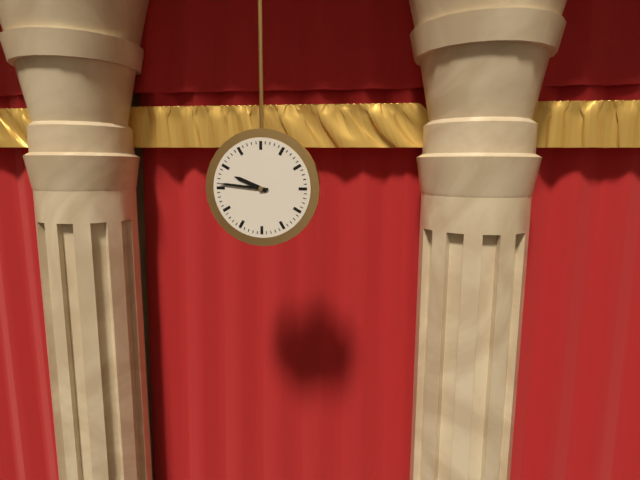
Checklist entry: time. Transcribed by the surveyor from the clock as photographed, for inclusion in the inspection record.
9:46
